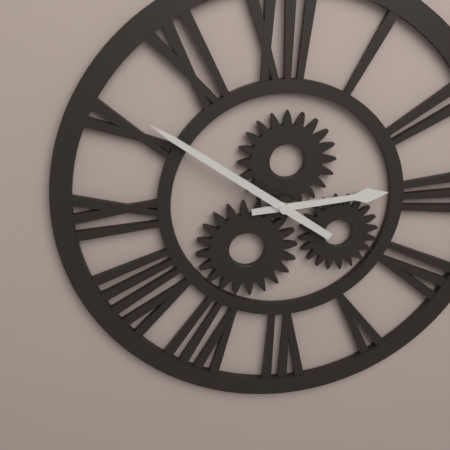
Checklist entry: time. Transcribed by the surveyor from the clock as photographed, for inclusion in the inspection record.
2:51
